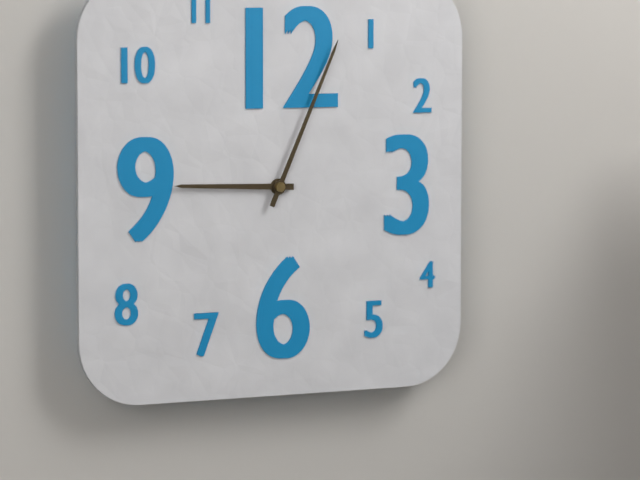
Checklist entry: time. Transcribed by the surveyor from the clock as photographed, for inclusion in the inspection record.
9:04
